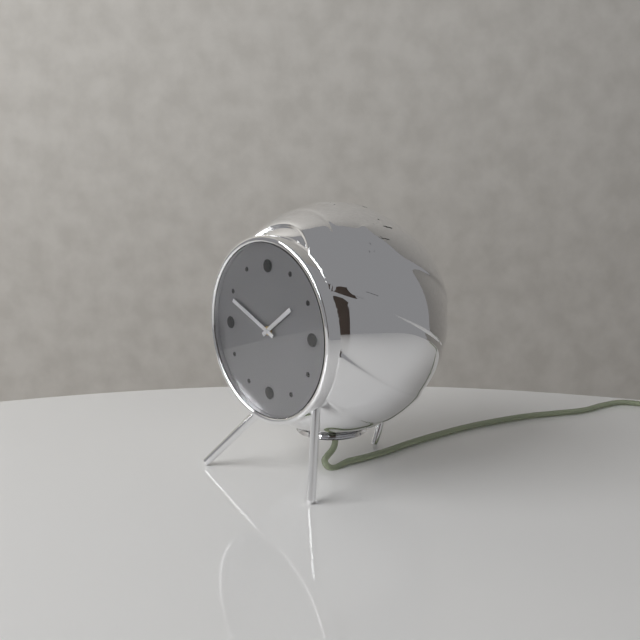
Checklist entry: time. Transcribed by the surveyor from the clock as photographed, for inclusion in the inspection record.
1:49
